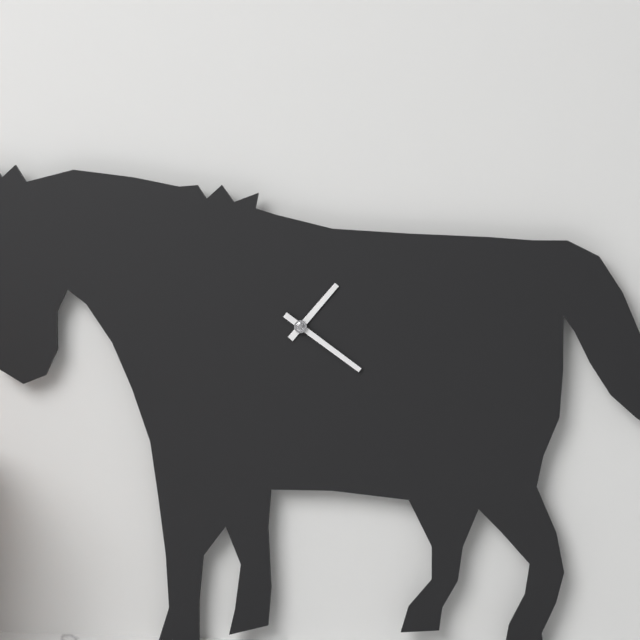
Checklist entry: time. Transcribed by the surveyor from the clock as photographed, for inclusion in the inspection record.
1:21
